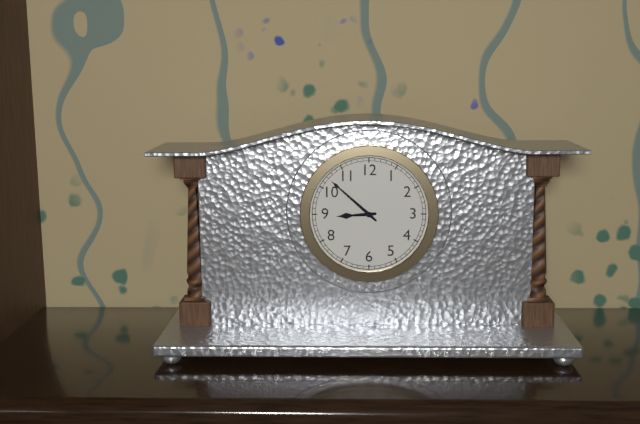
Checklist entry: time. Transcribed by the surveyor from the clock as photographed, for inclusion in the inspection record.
8:52
